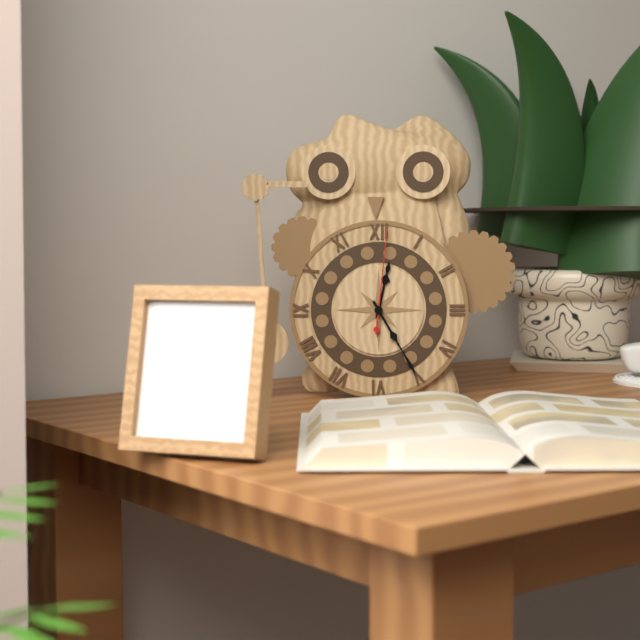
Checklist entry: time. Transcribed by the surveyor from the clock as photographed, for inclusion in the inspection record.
12:25:01
